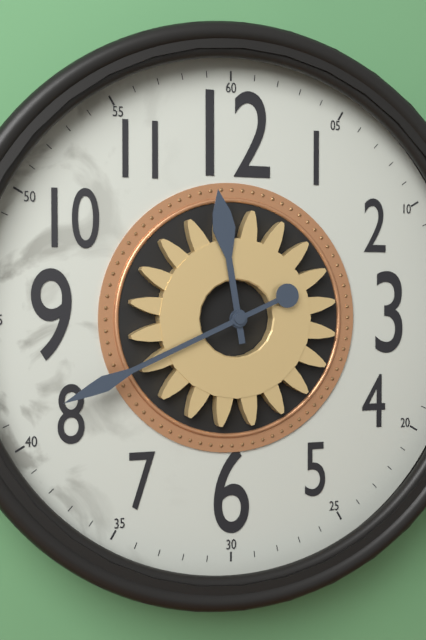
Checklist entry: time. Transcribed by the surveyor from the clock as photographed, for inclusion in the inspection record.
11:41
